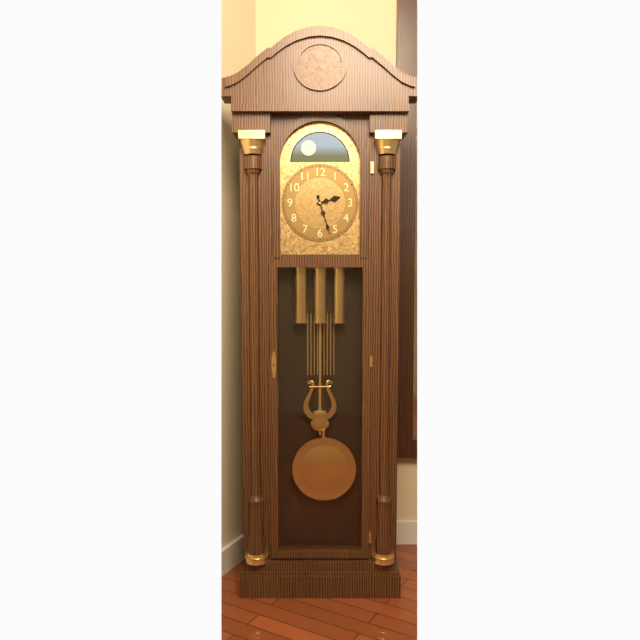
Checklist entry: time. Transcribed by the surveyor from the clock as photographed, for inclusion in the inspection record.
2:27
